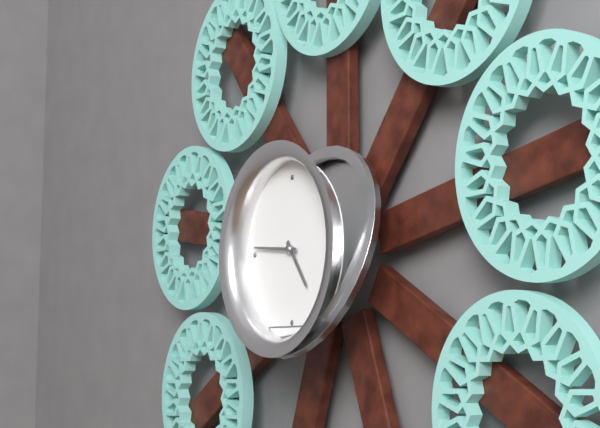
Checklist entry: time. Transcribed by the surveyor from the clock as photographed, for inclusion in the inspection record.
4:46
